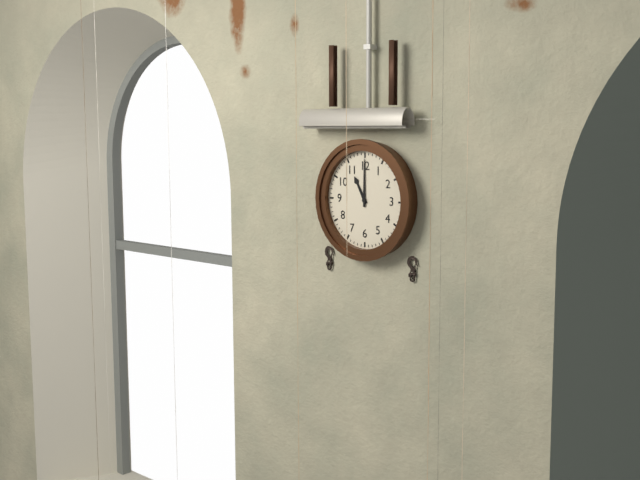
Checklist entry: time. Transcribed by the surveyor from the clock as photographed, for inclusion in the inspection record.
11:00
